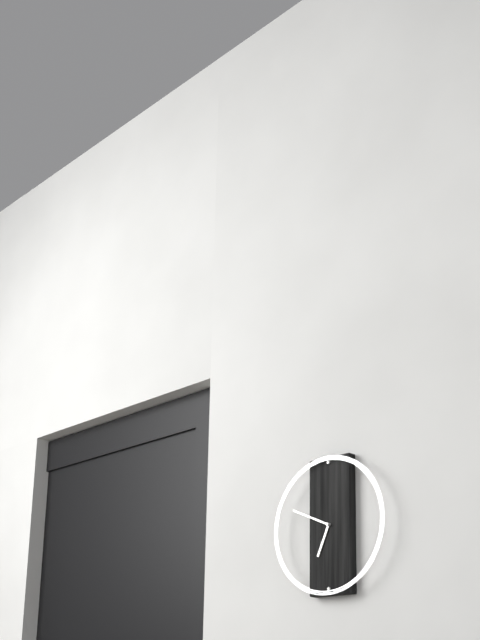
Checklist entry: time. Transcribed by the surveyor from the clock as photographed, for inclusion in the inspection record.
6:49
